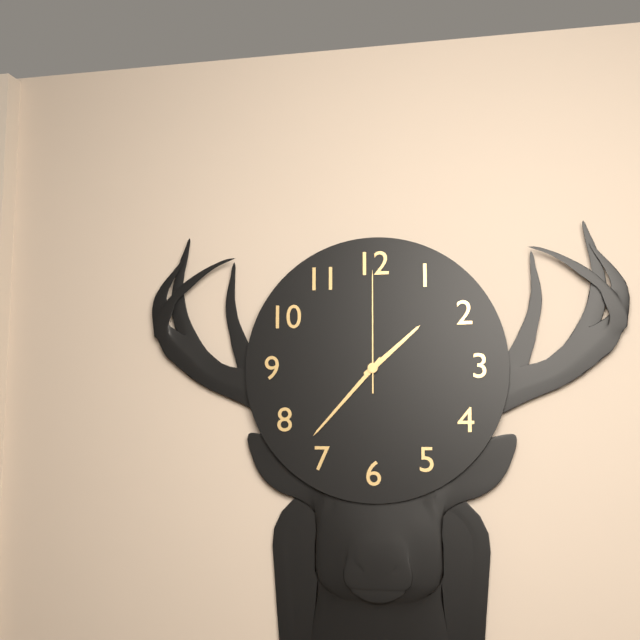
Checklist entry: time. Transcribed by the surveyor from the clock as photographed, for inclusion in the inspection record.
1:37:00
